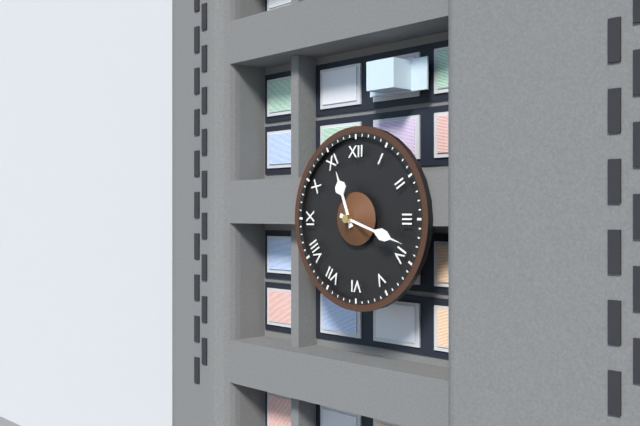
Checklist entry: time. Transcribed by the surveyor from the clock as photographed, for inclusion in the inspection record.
11:18
